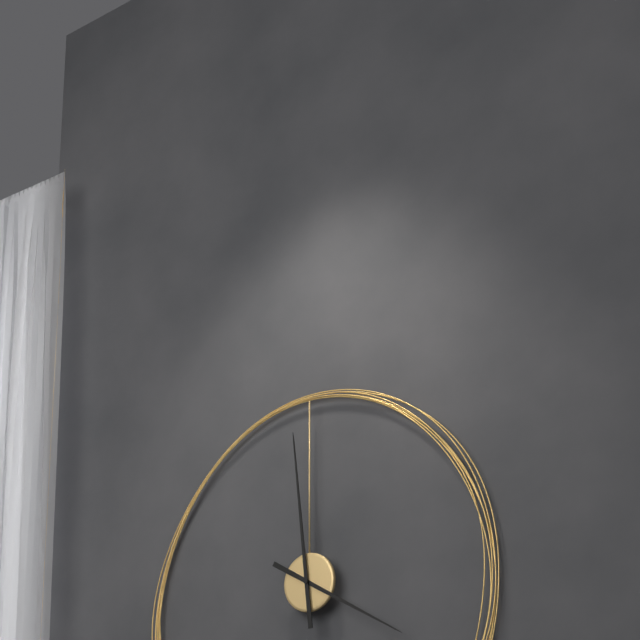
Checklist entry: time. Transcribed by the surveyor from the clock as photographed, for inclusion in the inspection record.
3:59
